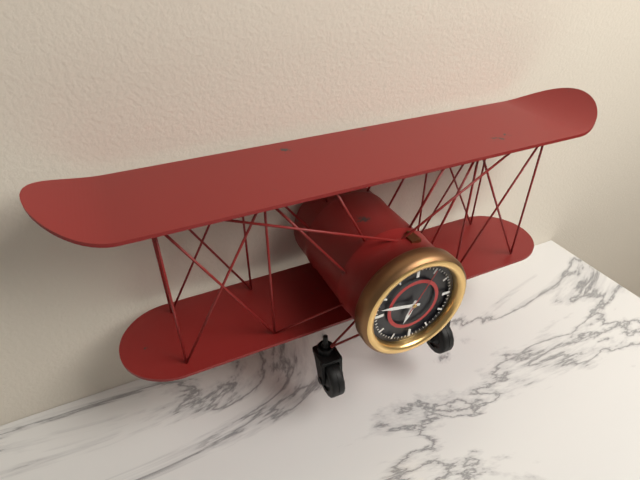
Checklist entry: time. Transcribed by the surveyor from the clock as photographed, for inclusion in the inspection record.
6:47:05
